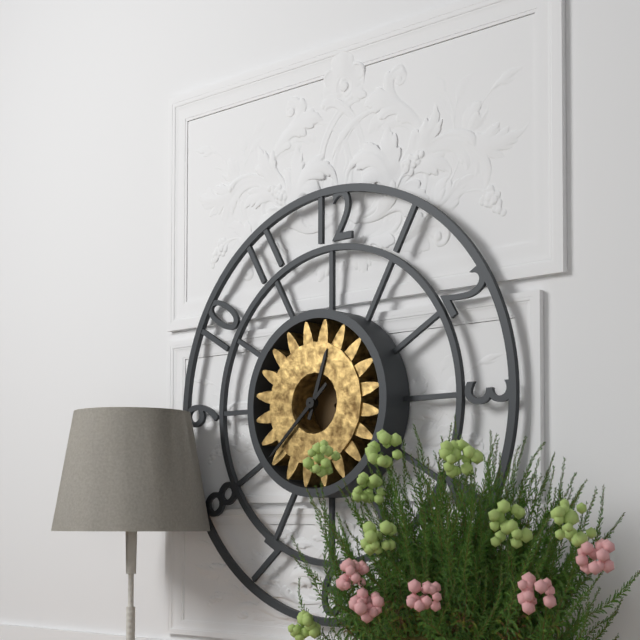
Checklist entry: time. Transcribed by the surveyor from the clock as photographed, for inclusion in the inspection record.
12:38
